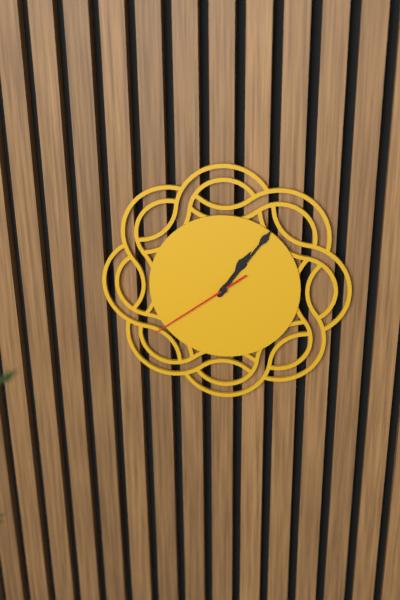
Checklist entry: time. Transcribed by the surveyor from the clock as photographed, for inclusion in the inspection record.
1:06:39
